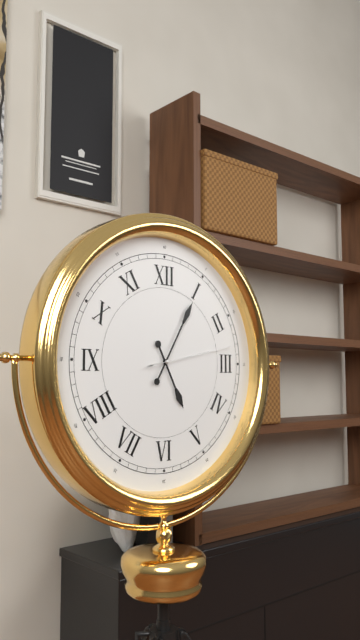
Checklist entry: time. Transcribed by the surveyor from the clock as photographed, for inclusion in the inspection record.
5:05:13
